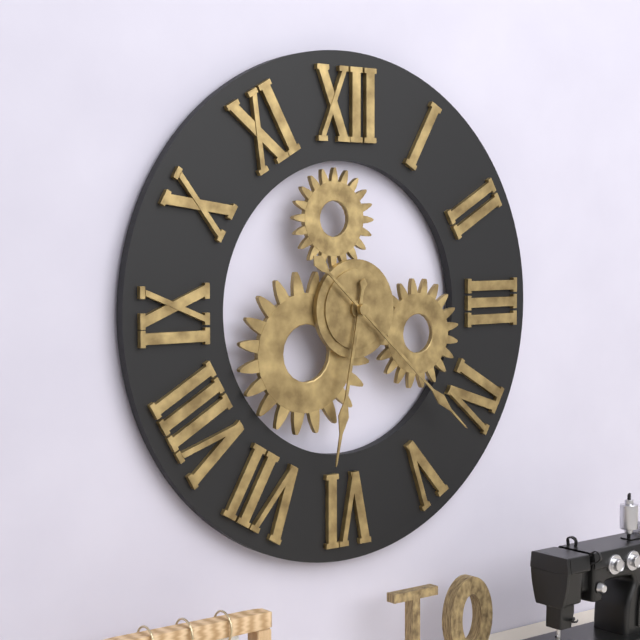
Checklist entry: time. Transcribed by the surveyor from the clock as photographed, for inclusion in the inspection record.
6:22
